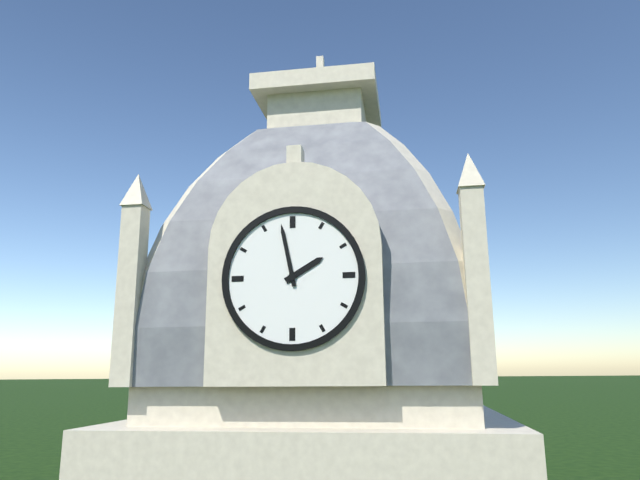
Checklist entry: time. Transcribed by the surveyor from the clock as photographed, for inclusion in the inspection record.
1:58
